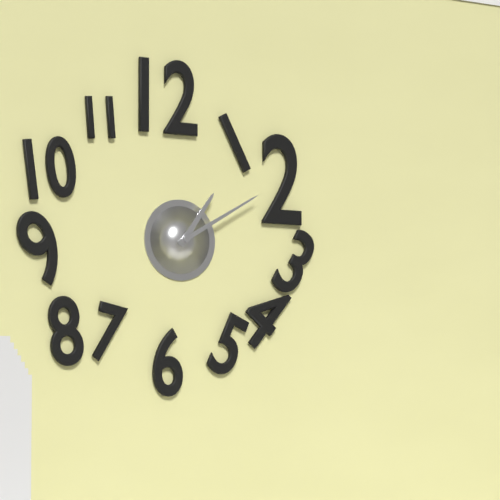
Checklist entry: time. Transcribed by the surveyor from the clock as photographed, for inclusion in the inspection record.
1:10
